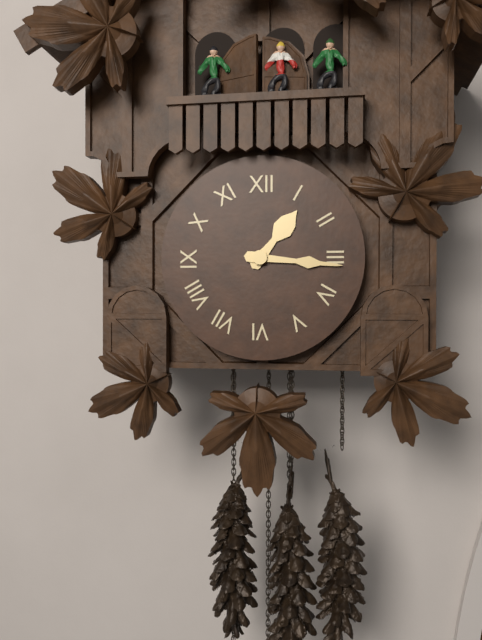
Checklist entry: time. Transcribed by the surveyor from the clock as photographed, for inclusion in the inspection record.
1:16
